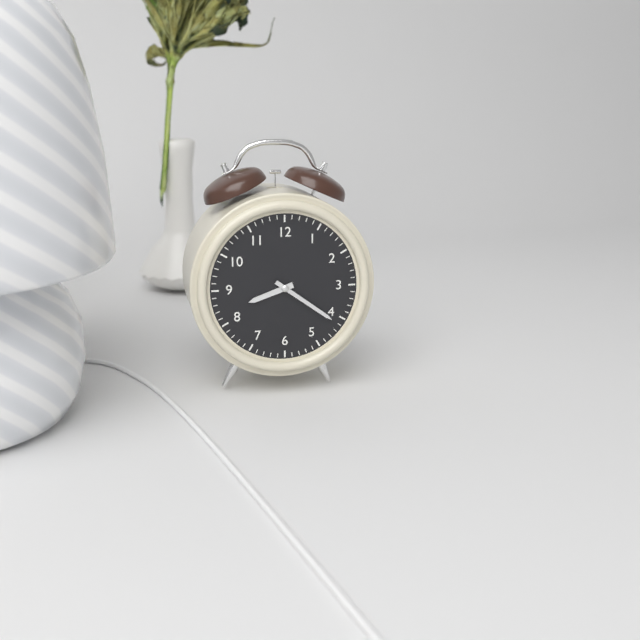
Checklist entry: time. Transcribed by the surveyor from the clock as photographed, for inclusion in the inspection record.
8:21
